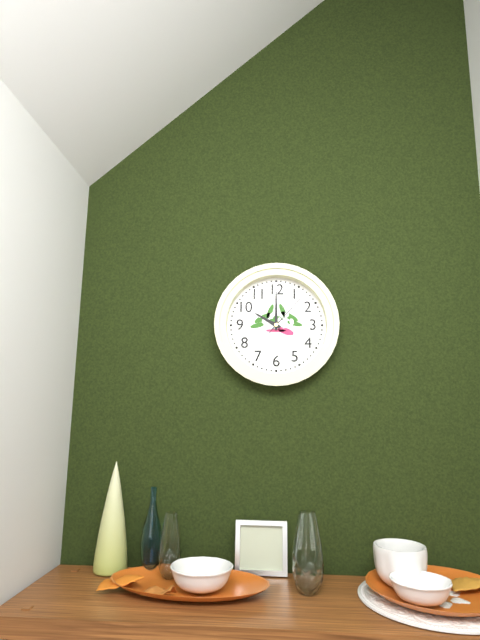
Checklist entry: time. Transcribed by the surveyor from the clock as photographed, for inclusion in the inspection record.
10:00:07
